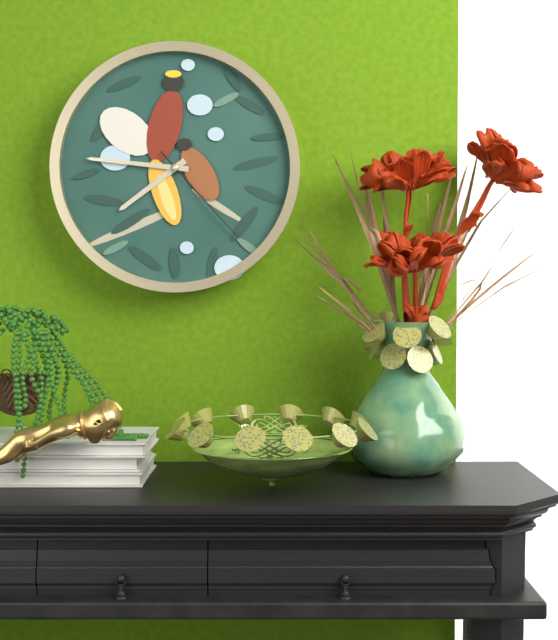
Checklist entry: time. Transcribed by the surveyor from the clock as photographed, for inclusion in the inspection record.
7:46:23
